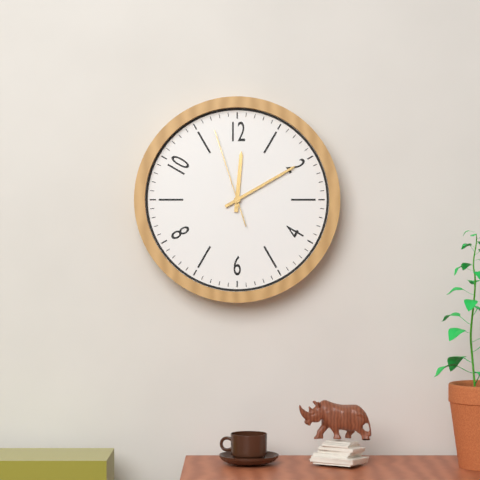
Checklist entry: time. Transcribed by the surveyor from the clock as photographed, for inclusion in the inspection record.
12:10:57
